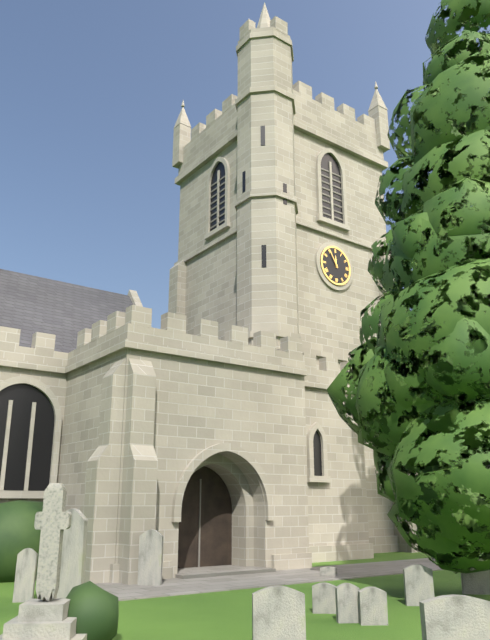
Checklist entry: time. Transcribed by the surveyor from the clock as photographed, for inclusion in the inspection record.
11:55
